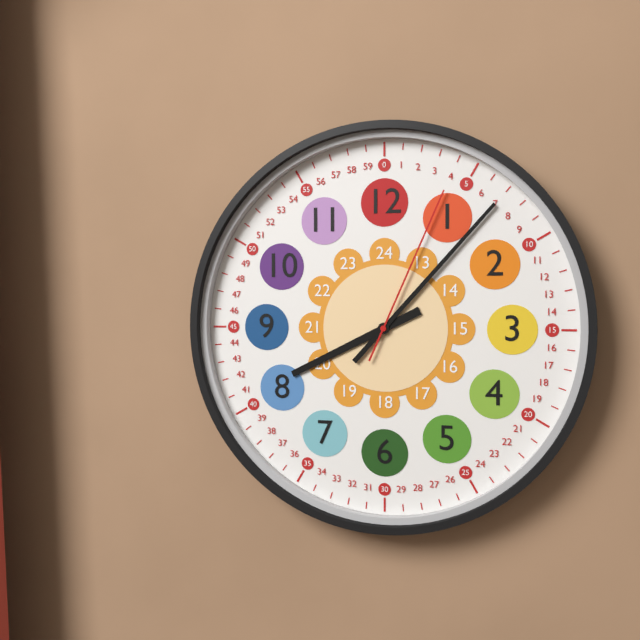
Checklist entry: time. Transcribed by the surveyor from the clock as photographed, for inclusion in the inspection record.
8:07:04
